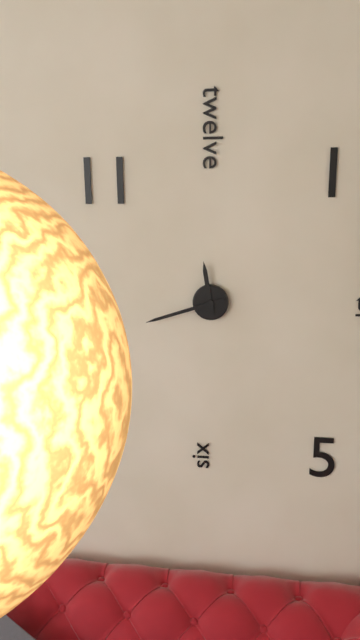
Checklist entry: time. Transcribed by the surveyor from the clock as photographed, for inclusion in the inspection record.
11:42
